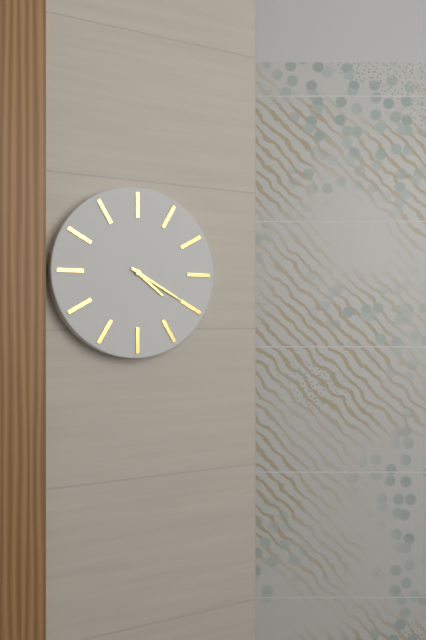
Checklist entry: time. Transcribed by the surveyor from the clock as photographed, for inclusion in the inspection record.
4:20
